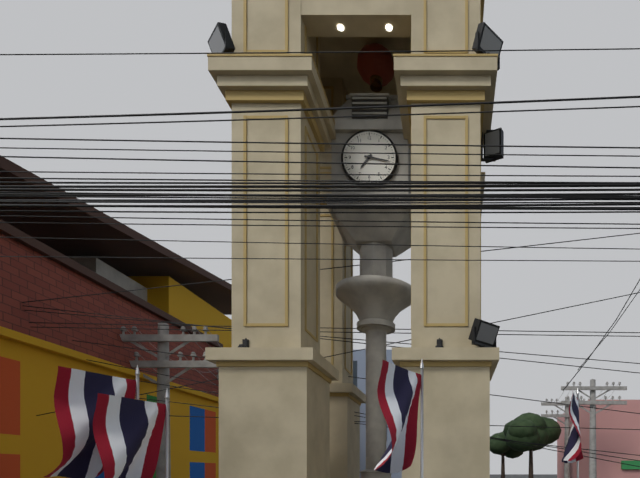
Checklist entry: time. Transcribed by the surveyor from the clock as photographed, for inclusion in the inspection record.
7:17
